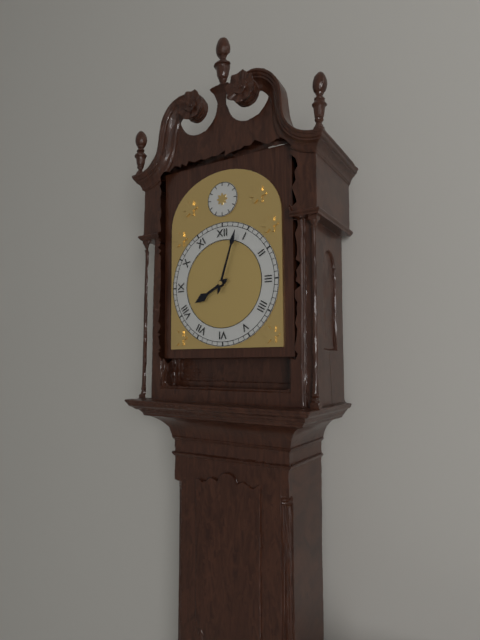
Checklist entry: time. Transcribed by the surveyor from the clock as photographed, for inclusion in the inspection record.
8:03
